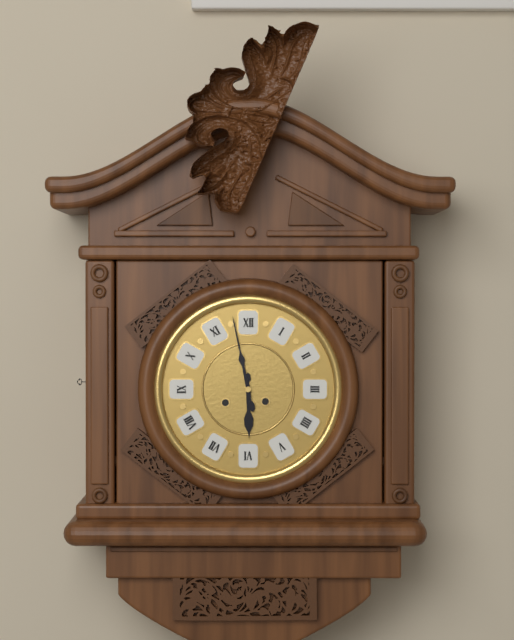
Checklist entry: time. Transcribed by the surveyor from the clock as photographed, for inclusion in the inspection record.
5:58
